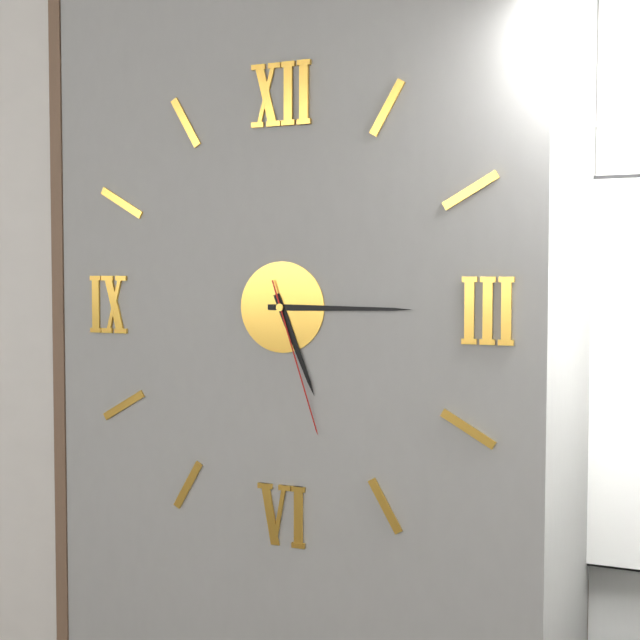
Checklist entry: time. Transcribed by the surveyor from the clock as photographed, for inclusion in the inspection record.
5:15:27
